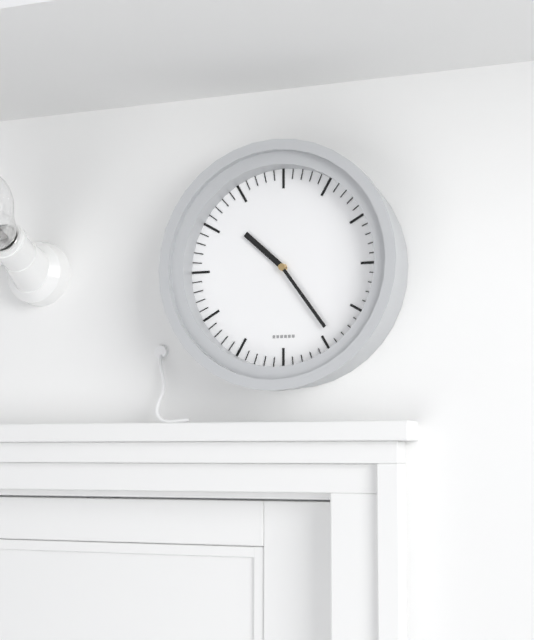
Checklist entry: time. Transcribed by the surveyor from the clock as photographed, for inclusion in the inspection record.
10:24
